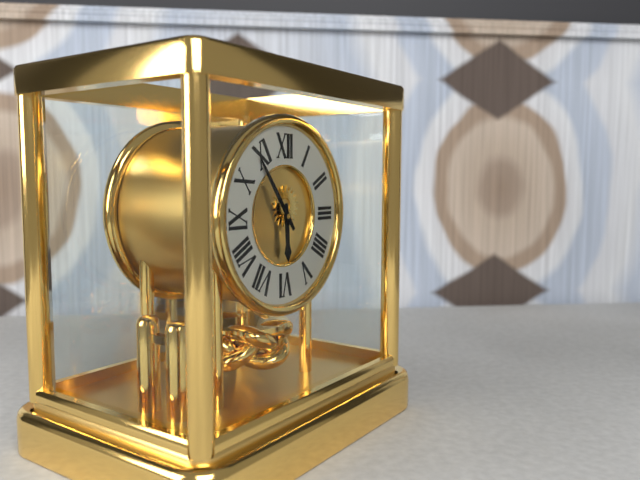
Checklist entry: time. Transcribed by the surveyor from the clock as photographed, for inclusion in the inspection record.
5:54
